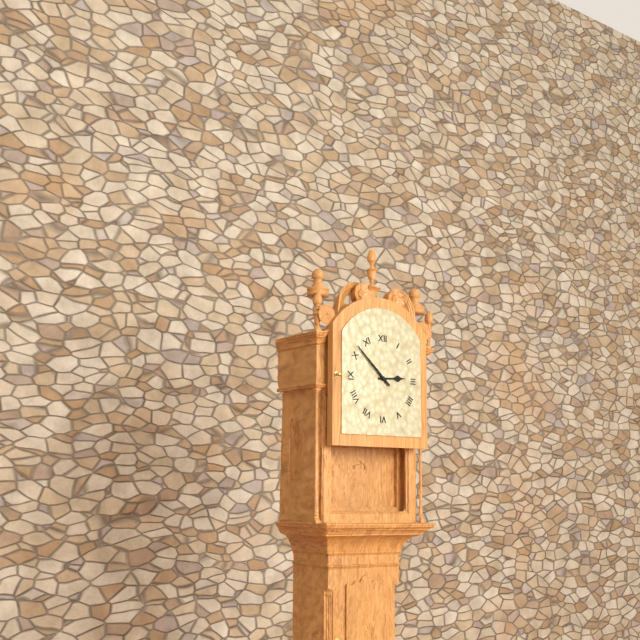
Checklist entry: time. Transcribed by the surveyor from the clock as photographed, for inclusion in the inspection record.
2:52
